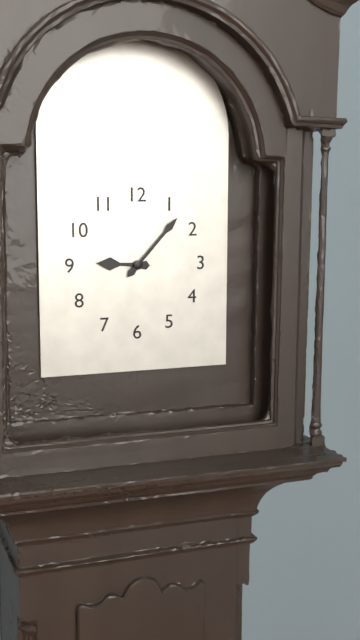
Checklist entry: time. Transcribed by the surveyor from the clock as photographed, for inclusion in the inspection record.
9:07
